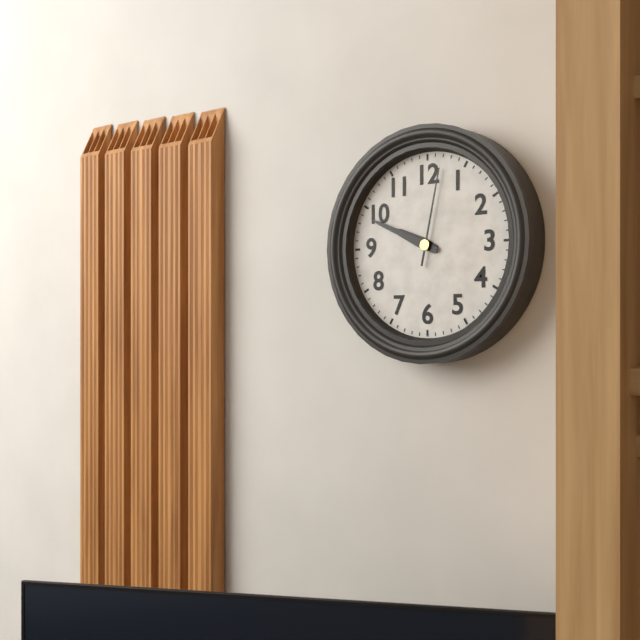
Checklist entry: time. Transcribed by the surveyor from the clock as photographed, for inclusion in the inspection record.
9:49:02
